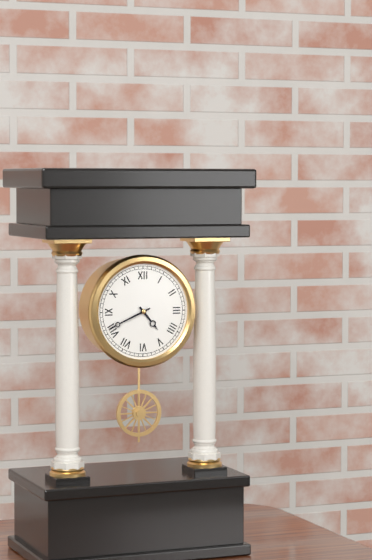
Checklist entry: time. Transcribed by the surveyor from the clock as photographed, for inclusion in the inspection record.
4:41
